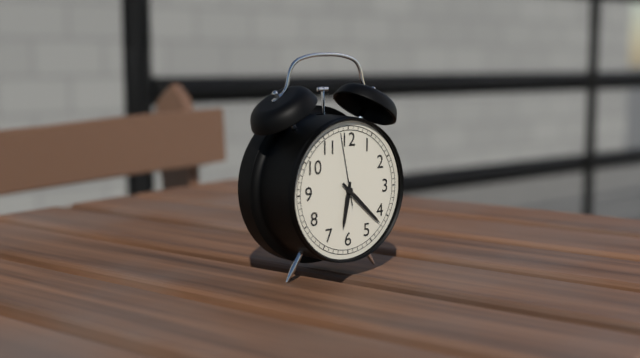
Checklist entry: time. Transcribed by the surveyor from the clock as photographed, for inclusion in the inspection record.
6:22:58
